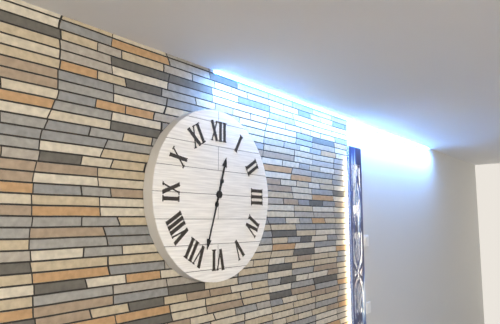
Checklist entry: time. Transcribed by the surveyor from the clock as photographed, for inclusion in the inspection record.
12:33
